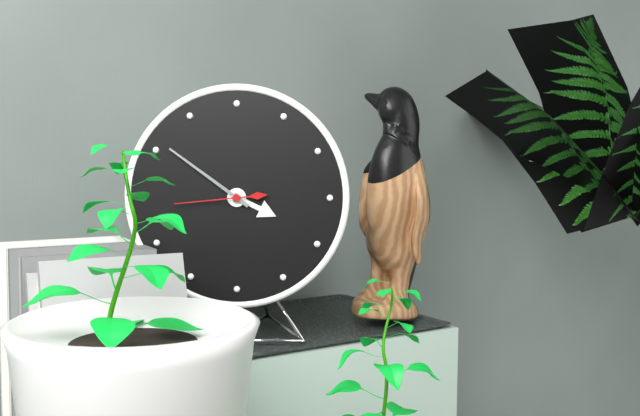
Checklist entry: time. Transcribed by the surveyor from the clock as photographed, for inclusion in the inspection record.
3:51:44
